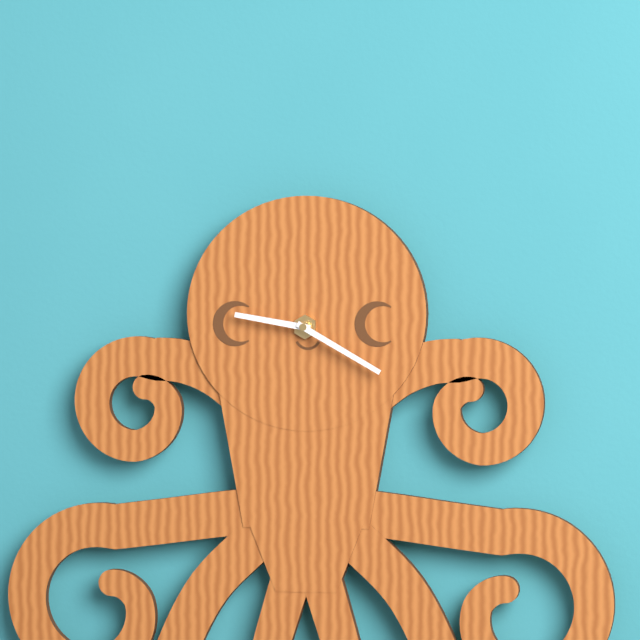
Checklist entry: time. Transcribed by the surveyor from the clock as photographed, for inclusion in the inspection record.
9:20
